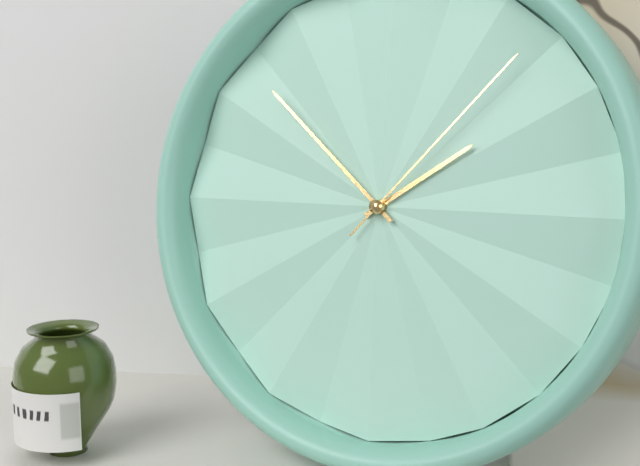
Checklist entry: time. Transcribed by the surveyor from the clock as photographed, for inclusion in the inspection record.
1:52:07
